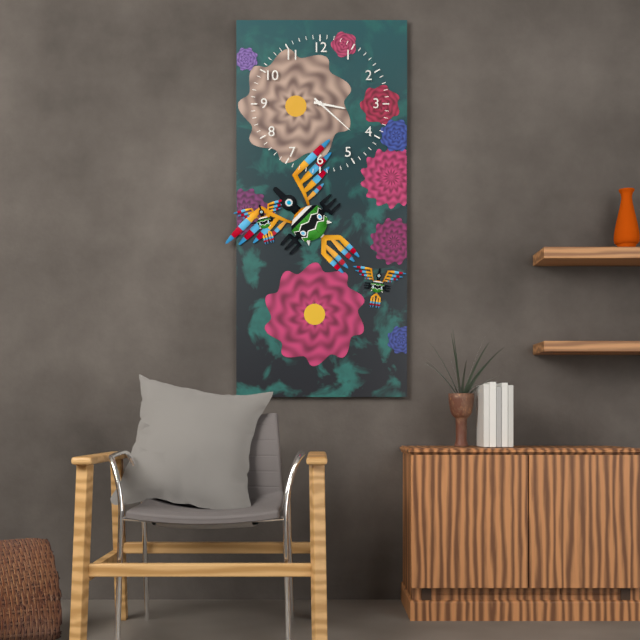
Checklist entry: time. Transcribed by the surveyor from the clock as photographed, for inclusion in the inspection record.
3:22
